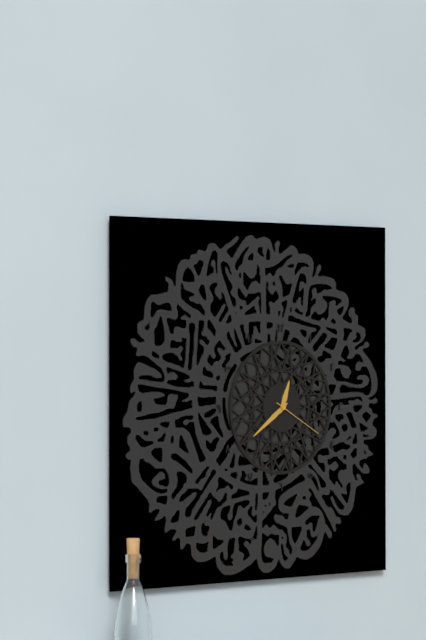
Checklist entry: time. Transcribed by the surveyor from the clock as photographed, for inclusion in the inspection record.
12:39:20
